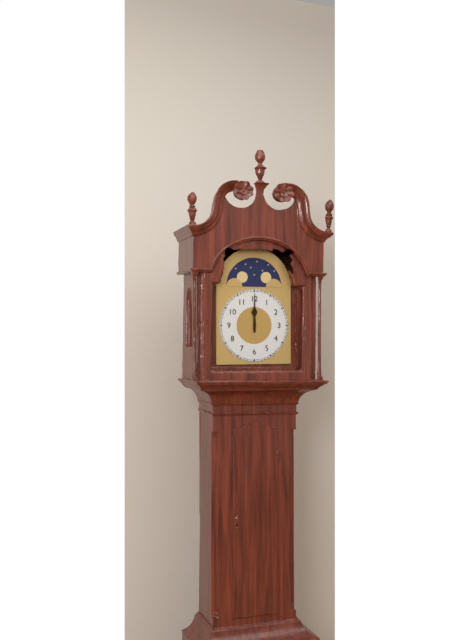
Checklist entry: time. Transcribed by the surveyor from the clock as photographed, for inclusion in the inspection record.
12:00
